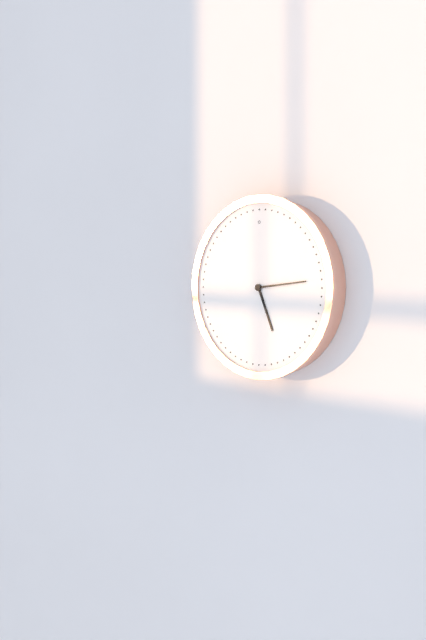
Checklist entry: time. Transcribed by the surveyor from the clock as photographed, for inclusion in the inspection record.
5:14
